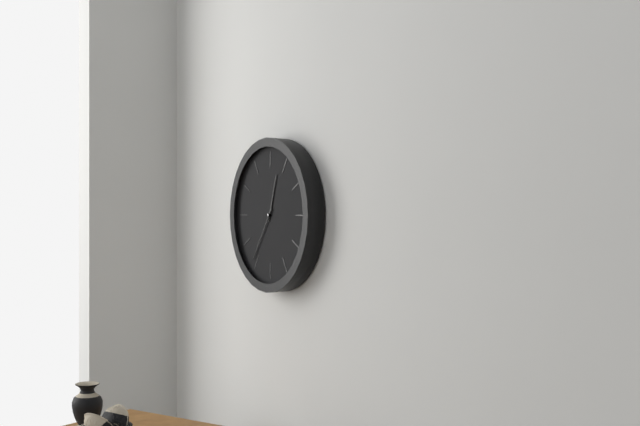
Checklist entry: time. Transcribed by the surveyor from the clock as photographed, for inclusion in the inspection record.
12:36
